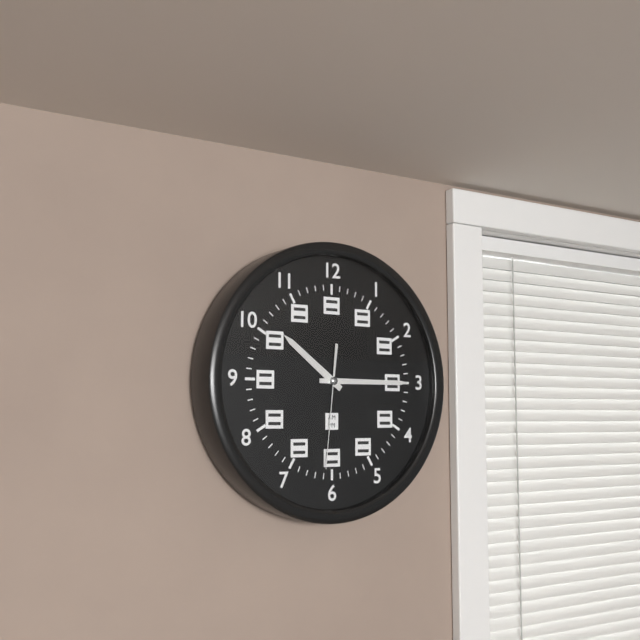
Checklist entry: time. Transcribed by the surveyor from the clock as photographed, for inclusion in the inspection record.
10:15:31
